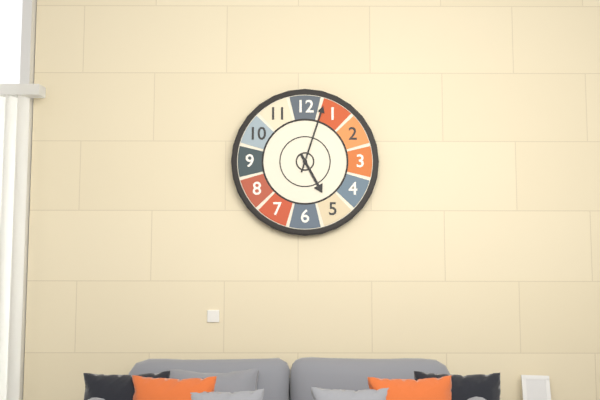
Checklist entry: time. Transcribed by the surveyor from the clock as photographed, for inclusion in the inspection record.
5:03
